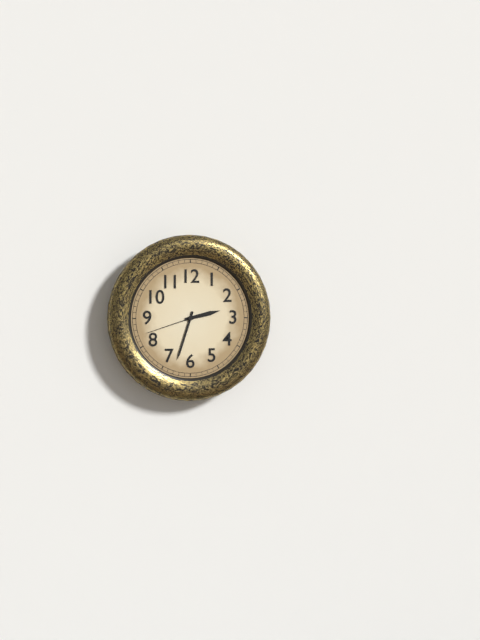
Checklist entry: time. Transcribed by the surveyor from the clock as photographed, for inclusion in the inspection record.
2:33:42
